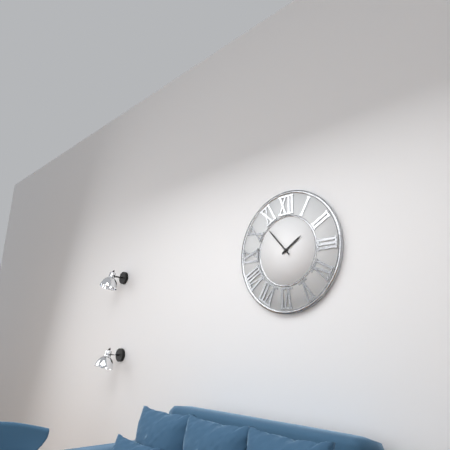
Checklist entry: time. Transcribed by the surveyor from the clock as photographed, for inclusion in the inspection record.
1:53
